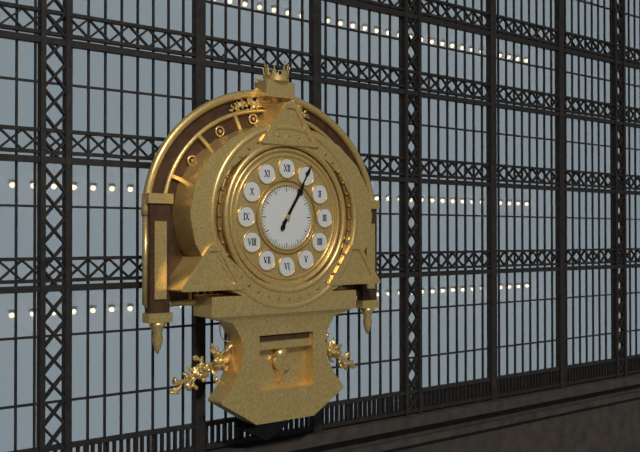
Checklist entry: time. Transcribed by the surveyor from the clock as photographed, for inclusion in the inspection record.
1:05
